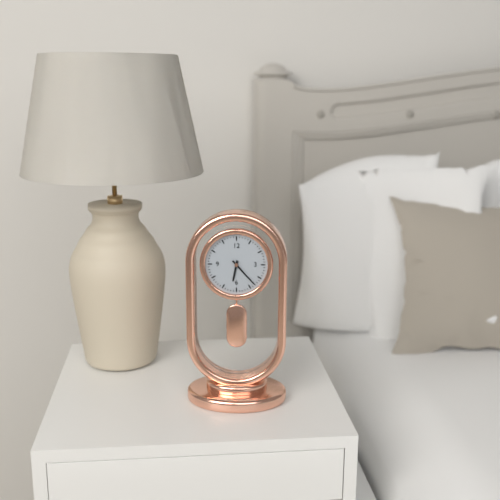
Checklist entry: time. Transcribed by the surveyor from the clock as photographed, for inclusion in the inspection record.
6:23
